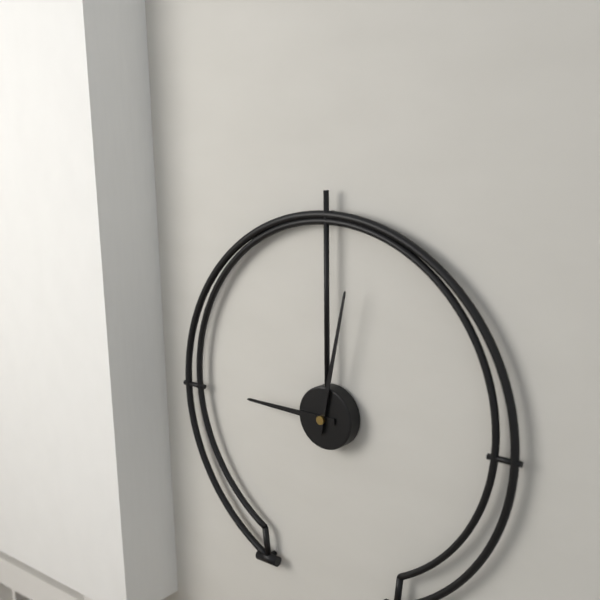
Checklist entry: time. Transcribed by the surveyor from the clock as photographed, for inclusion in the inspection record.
9:02
